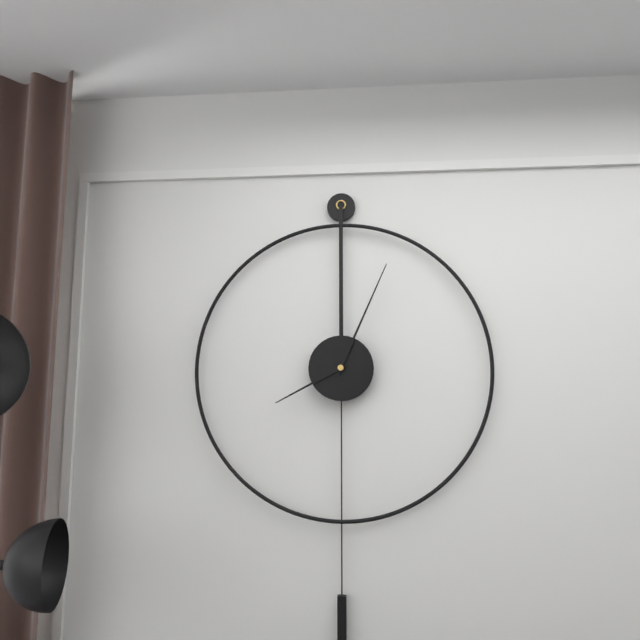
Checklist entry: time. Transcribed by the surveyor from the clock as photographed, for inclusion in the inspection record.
8:04
